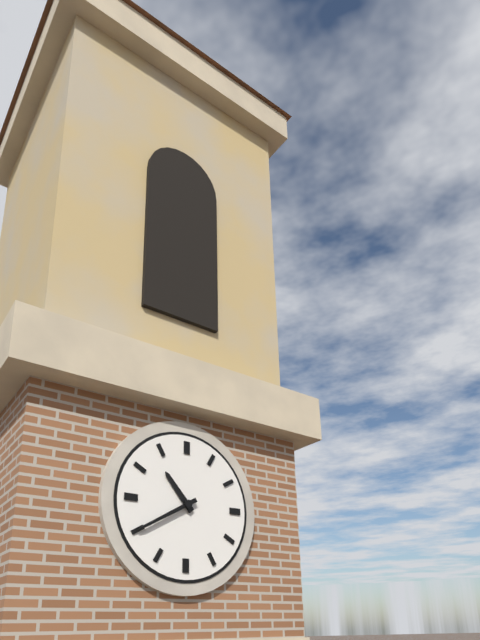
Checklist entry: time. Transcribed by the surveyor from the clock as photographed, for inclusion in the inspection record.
10:40
